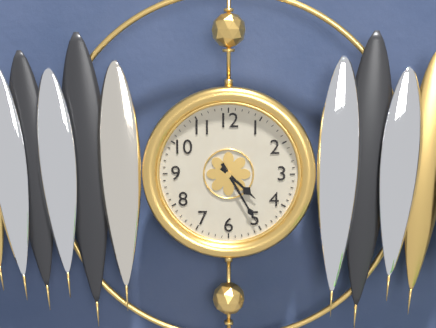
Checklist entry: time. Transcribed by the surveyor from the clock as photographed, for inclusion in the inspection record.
4:25
